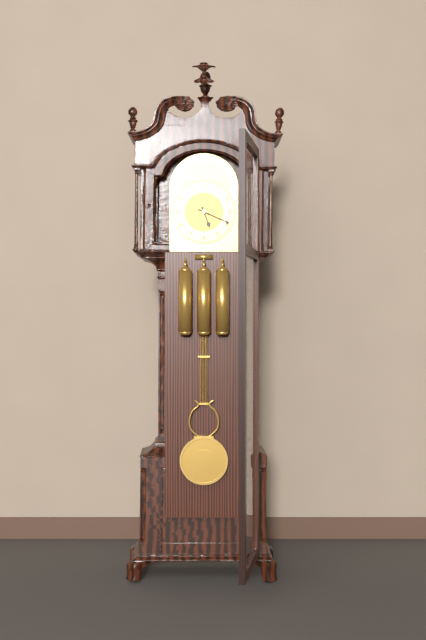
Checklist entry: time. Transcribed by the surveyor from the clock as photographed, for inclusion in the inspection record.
5:19
